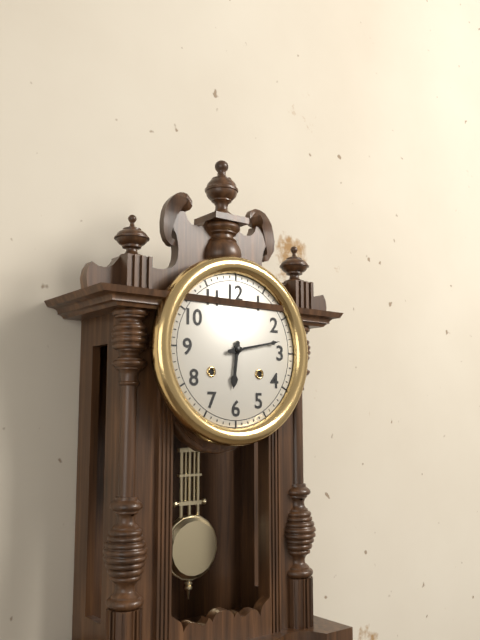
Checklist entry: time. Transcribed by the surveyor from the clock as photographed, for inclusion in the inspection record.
6:13
